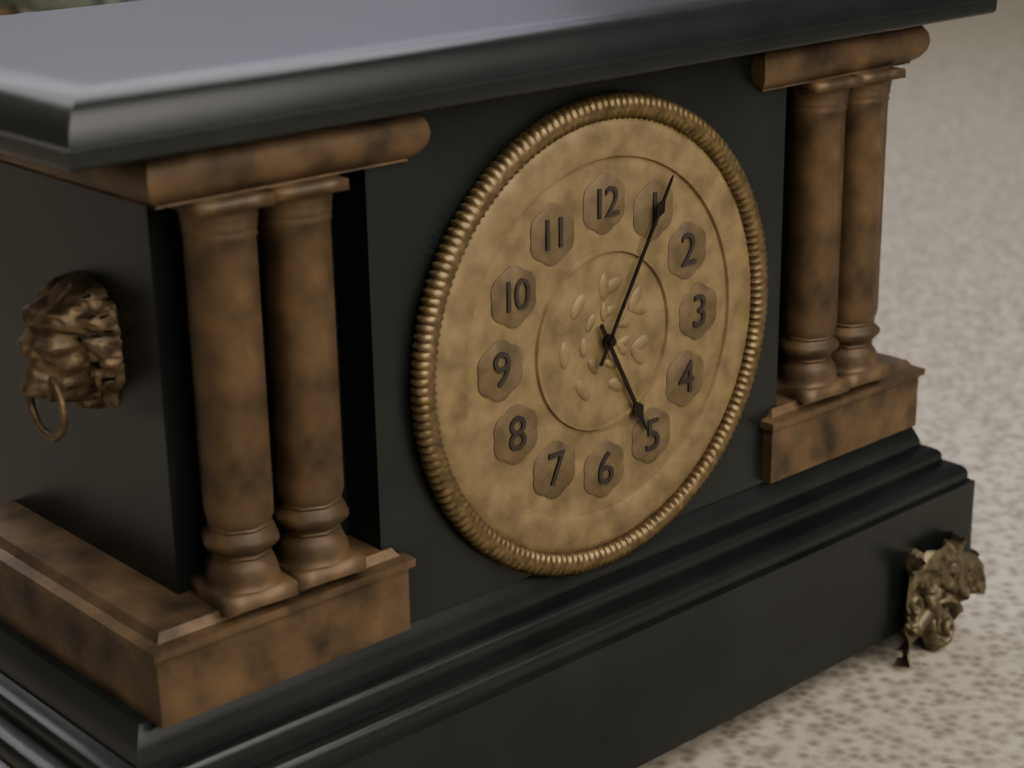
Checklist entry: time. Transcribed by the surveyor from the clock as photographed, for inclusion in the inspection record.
5:05
